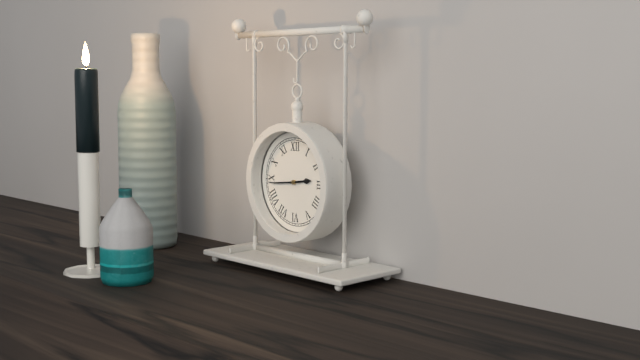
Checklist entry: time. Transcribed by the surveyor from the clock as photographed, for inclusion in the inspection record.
2:44
